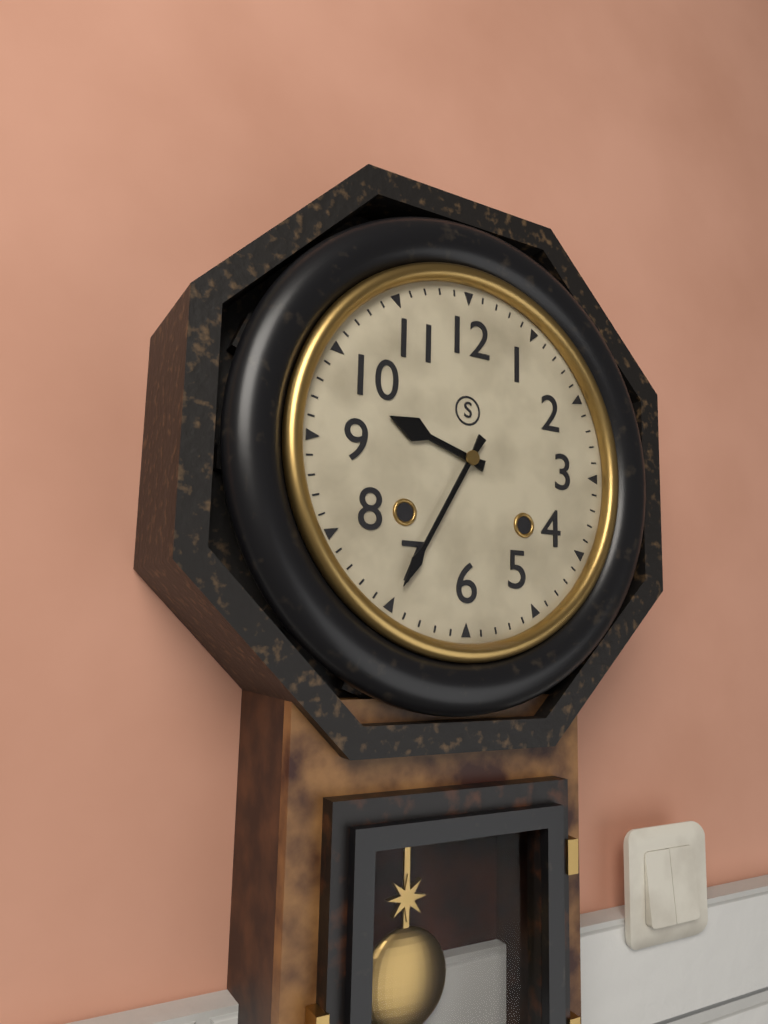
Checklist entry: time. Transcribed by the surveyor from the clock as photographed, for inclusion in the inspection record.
9:35
